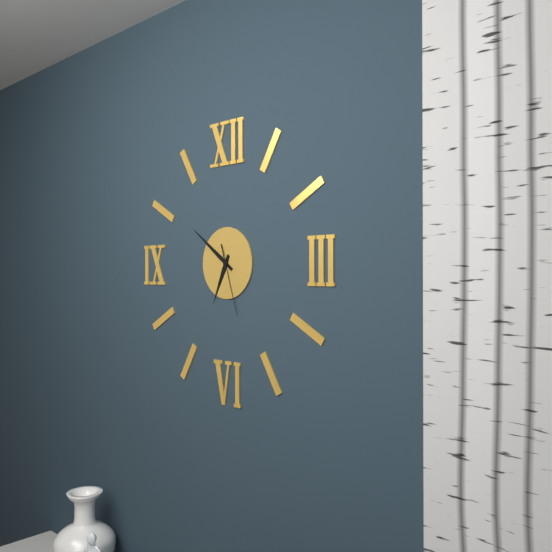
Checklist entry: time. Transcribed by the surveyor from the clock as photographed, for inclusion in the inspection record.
6:51:27
